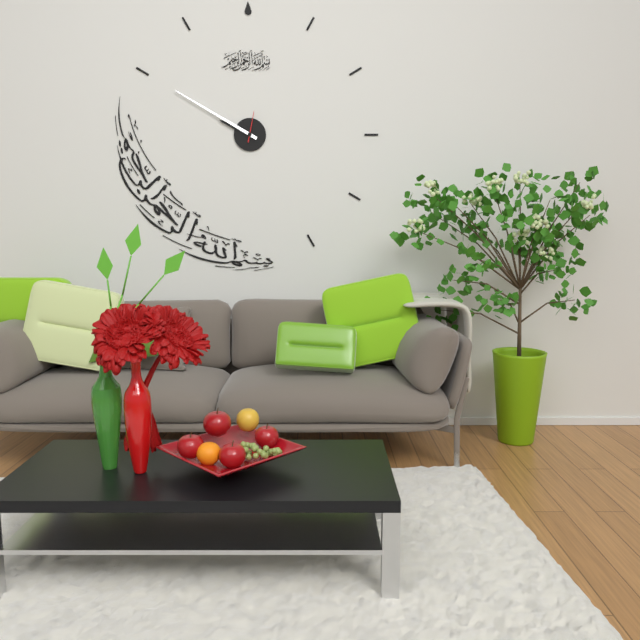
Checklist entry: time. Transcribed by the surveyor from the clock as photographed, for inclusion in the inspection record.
9:50
